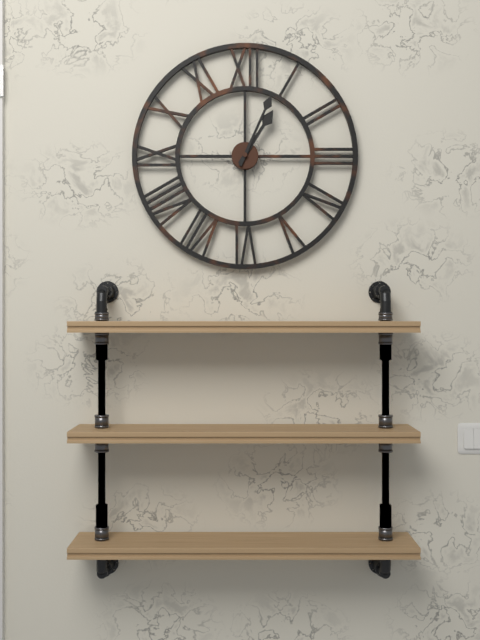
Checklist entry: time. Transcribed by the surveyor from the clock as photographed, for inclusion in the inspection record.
1:04
